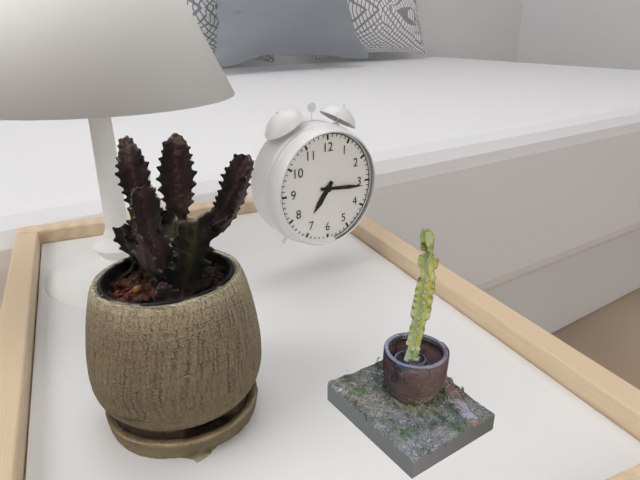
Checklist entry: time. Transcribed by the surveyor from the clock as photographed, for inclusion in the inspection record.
7:16
